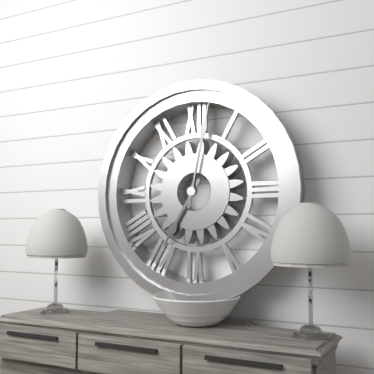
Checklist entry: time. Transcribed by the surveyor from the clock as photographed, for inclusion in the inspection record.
7:02
